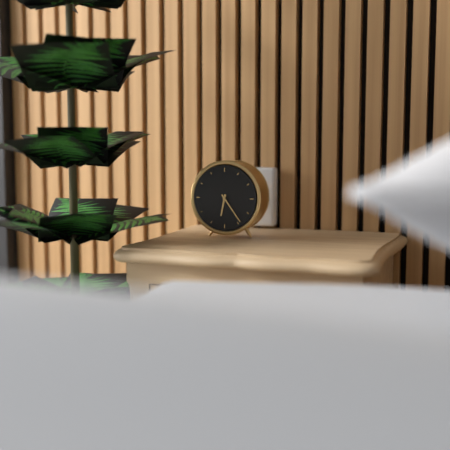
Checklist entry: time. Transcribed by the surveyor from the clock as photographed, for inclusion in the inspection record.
6:24
